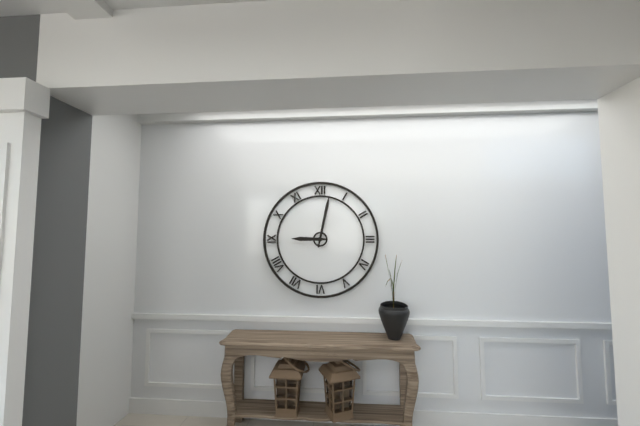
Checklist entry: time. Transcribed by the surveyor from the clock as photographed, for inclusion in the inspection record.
9:02
